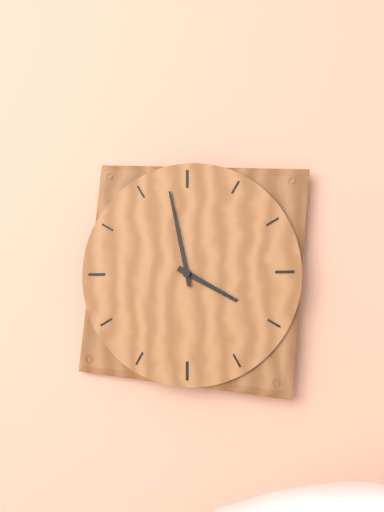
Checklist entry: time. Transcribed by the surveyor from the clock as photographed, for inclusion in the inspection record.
3:58
